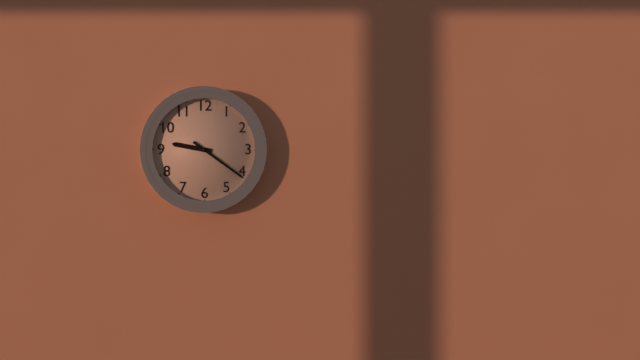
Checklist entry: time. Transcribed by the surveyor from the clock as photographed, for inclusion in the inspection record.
9:21
